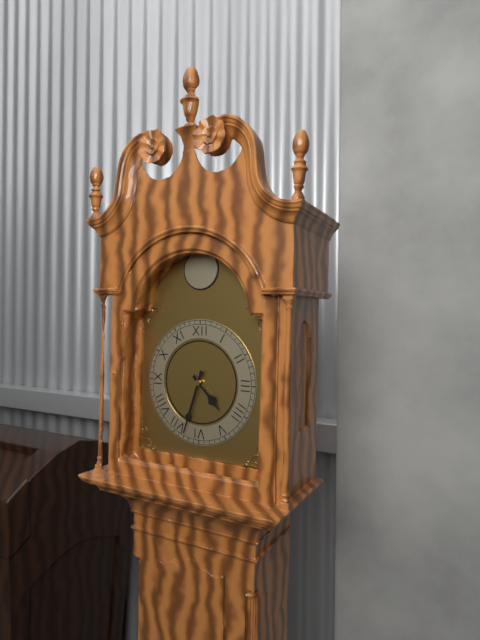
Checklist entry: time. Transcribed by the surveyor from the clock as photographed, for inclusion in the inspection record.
4:33
